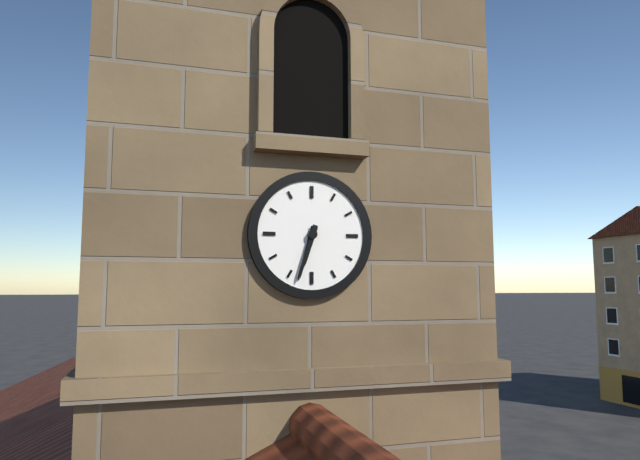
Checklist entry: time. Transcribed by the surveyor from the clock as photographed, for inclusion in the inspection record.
6:33
